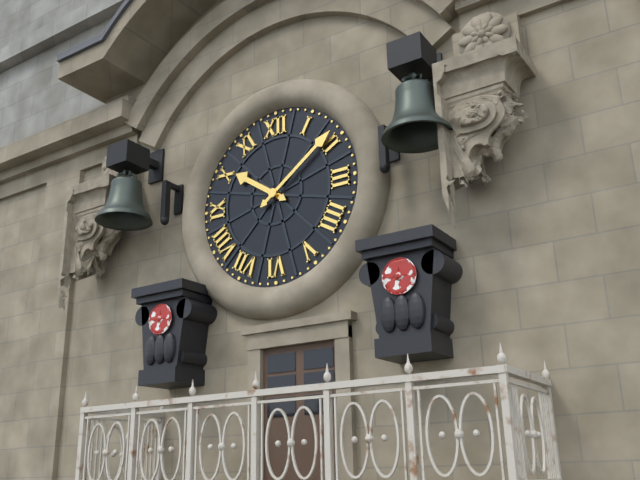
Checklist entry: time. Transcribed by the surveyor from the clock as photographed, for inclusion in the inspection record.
10:09
